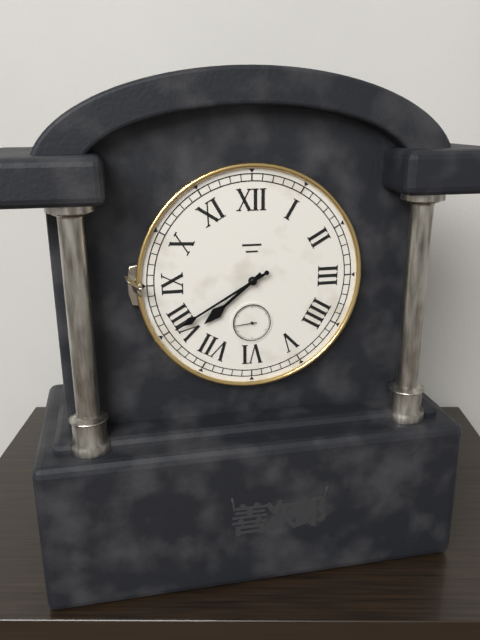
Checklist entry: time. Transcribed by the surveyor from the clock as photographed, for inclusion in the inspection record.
7:40
